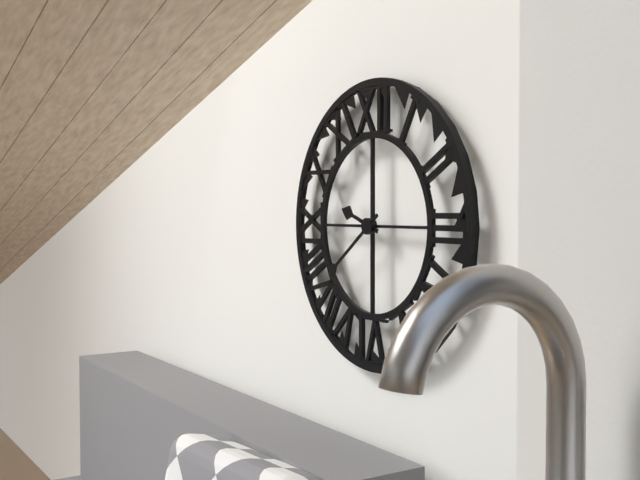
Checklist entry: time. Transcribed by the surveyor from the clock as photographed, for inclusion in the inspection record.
9:39
